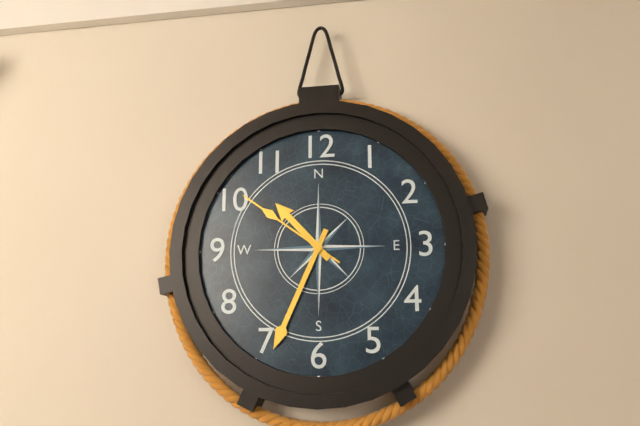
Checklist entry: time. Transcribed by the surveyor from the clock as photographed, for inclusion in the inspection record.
10:34:51
